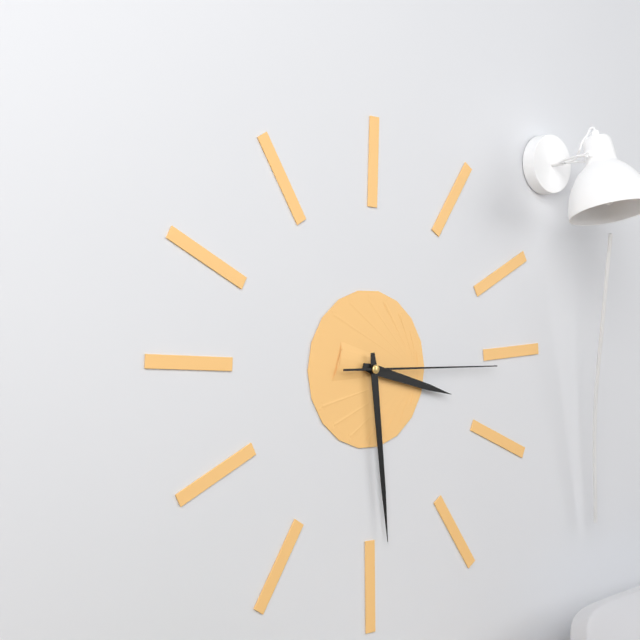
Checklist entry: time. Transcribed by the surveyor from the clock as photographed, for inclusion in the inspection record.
3:29:15
